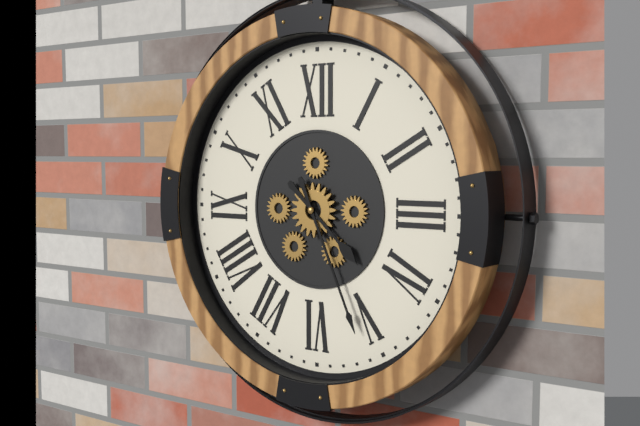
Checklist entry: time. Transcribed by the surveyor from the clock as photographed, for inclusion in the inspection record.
4:26
